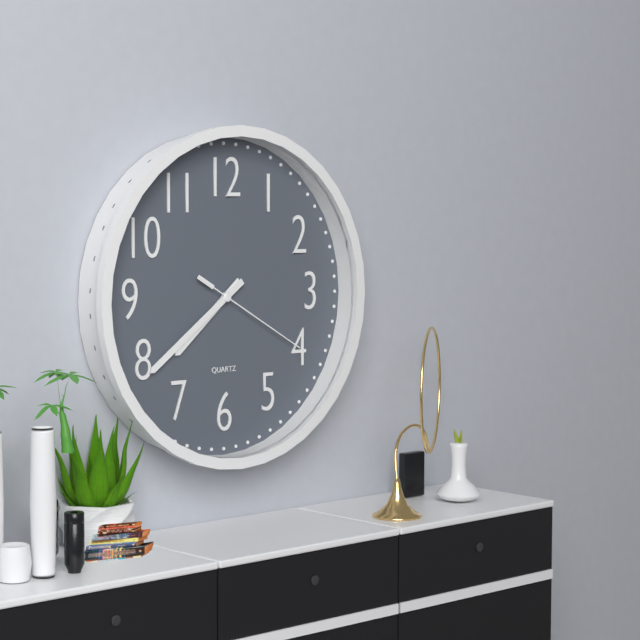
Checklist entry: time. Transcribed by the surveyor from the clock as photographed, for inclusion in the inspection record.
7:39:20
